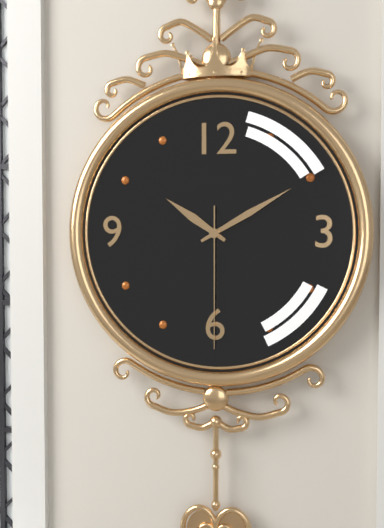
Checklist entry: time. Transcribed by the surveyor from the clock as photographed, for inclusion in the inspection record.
10:10:30
